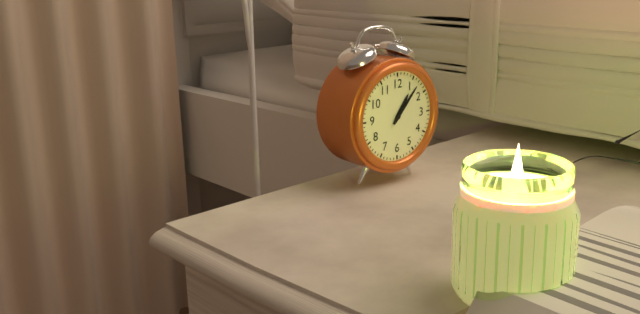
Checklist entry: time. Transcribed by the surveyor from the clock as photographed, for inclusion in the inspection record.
1:07
